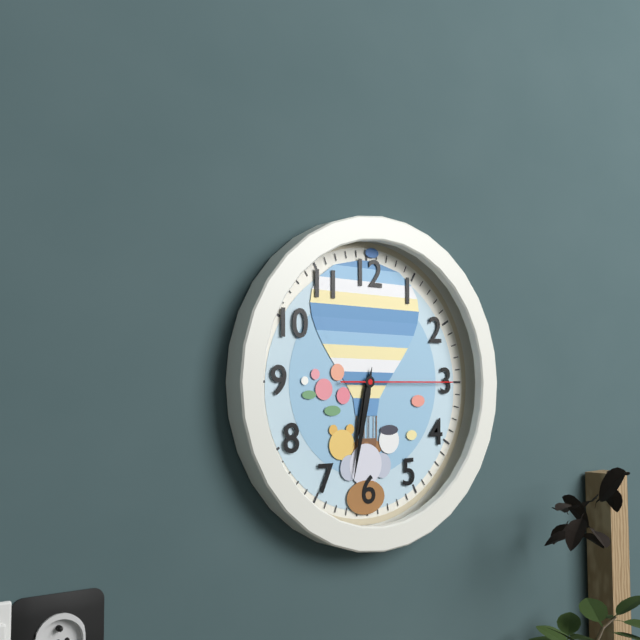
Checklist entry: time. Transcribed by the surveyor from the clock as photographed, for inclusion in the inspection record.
6:32:15
